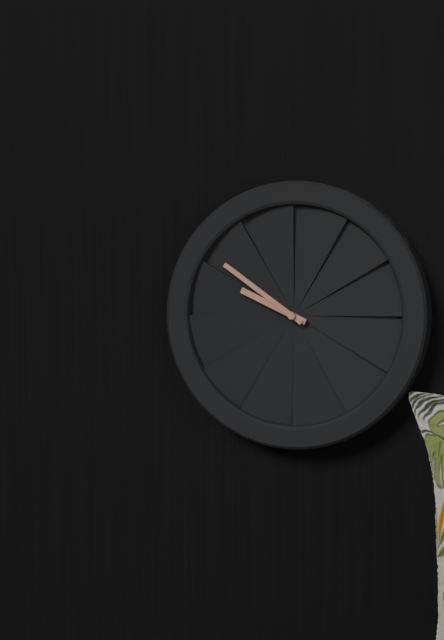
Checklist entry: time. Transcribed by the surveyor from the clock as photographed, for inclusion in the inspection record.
9:51
